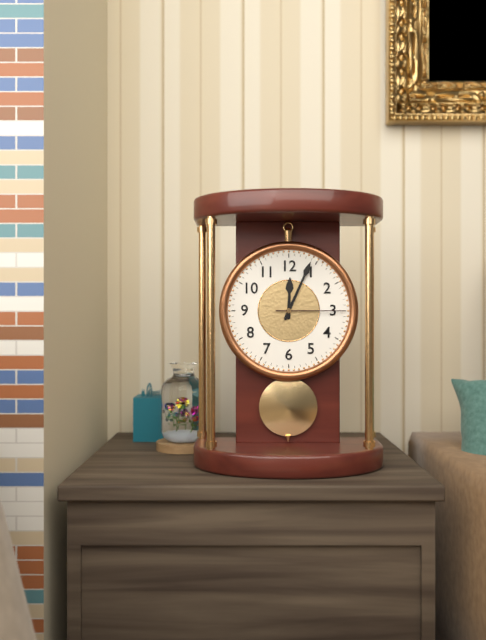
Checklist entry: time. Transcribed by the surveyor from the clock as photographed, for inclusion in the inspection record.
12:04:15
